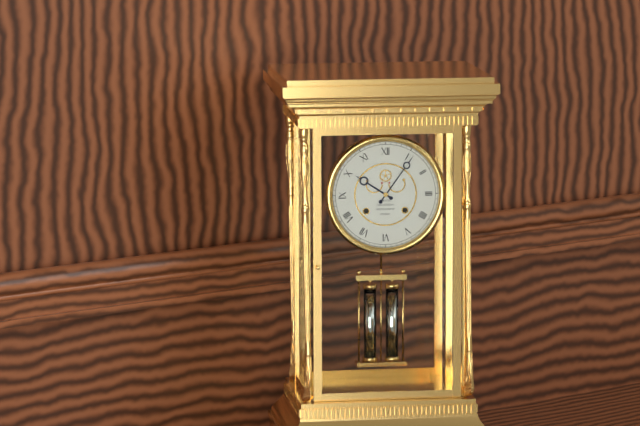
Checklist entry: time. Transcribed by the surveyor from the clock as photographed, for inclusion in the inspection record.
10:06
